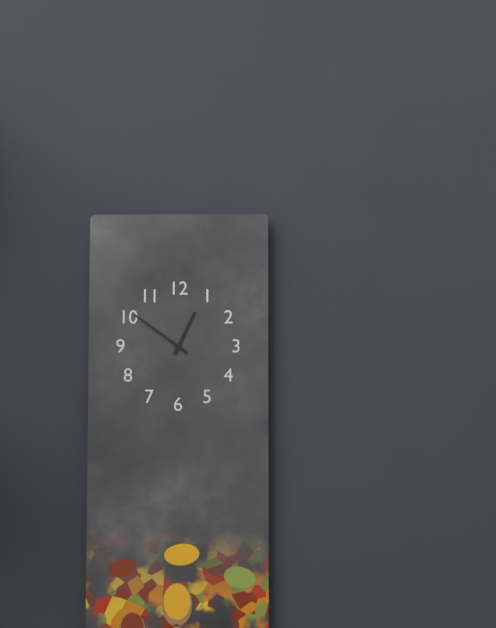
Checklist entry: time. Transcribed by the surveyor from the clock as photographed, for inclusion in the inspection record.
12:51
